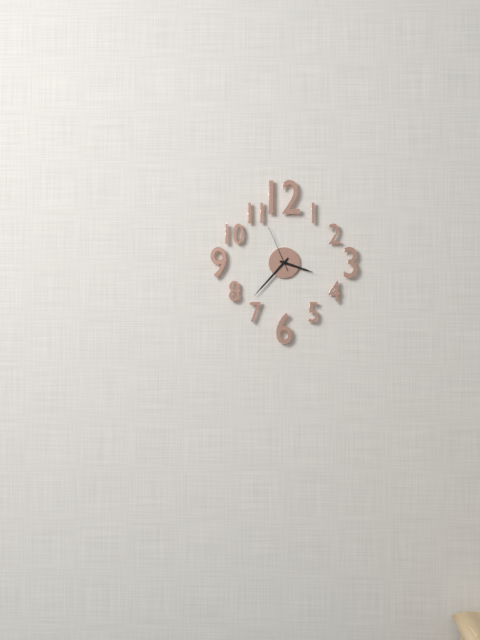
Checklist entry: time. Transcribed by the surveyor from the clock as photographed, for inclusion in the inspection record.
3:37
